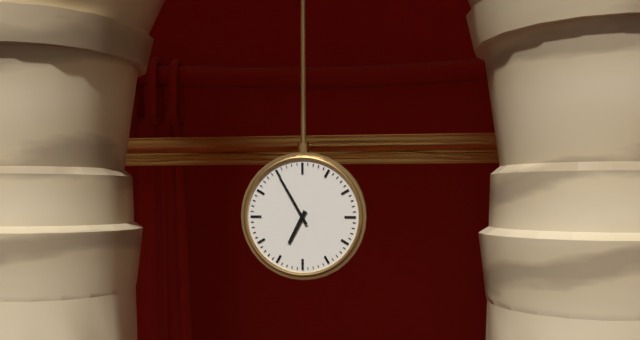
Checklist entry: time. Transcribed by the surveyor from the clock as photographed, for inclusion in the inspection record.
6:55
